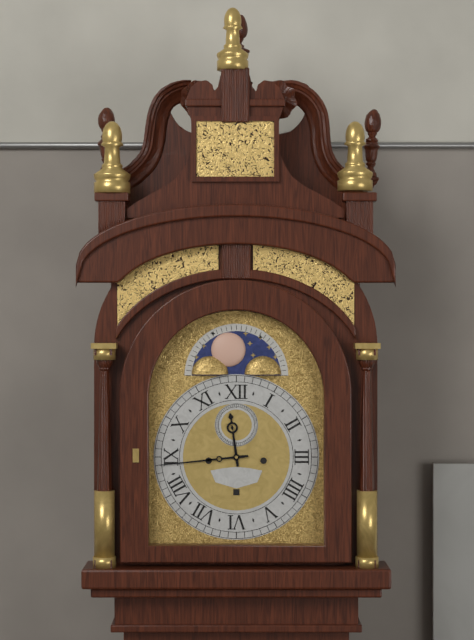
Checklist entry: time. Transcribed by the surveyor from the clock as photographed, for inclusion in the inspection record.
11:44
